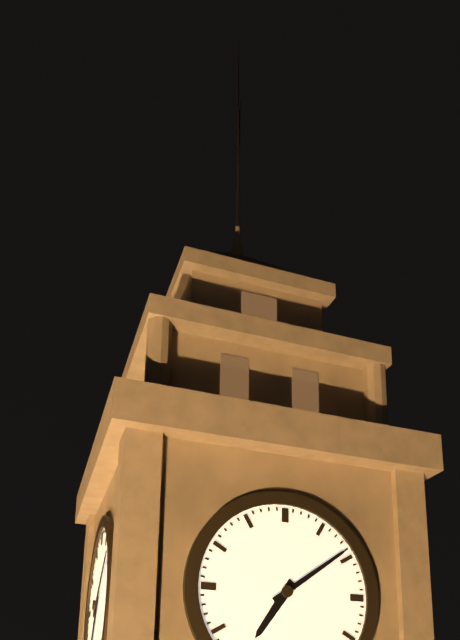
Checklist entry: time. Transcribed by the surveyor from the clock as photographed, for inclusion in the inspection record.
7:09
